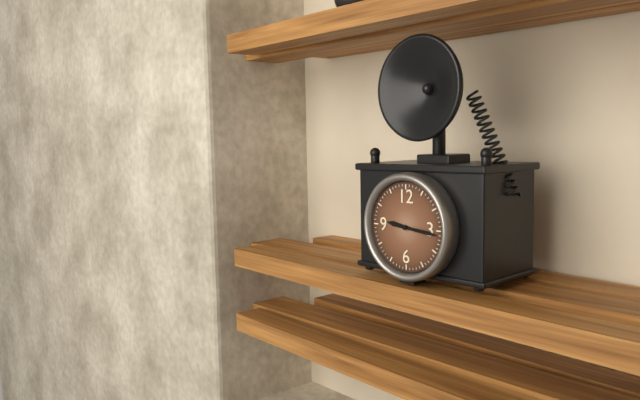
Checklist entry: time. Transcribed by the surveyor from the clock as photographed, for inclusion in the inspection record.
9:16
